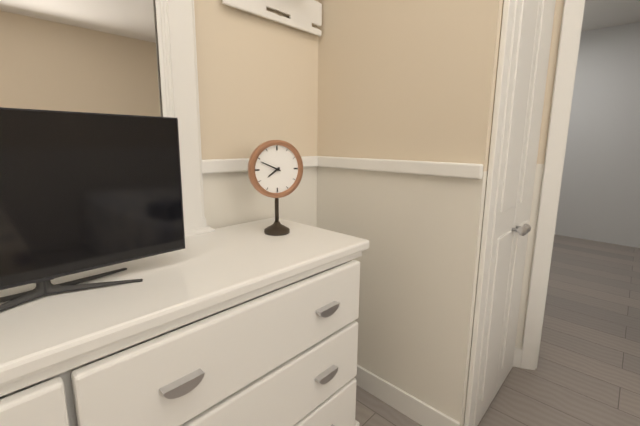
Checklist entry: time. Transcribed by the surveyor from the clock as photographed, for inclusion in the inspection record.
7:49
